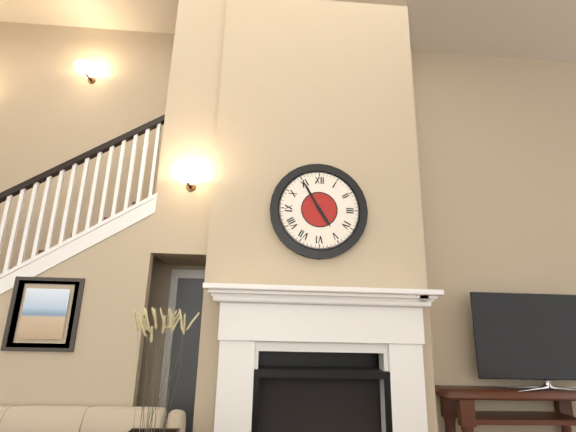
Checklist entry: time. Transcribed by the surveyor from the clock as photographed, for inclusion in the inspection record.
4:55
